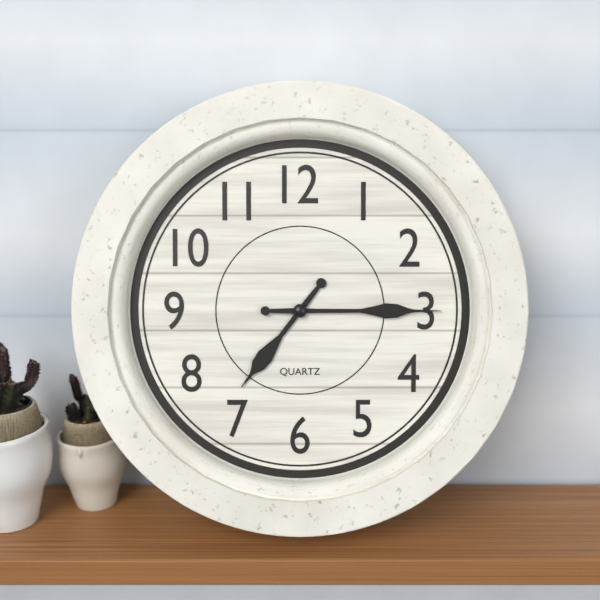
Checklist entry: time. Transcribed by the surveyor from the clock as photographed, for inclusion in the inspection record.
7:15
